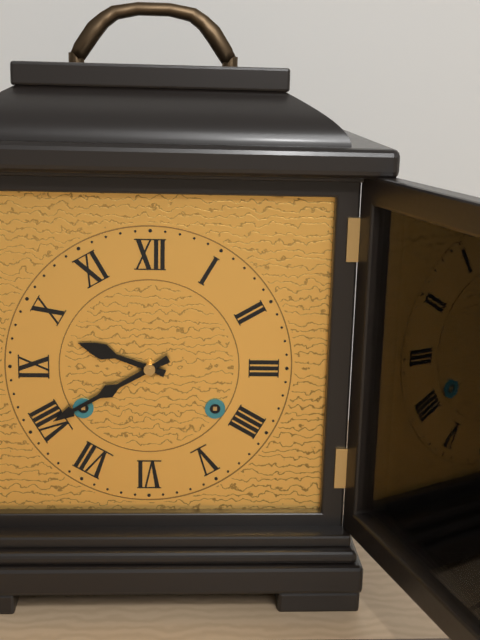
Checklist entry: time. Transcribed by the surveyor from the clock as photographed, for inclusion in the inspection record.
9:40
